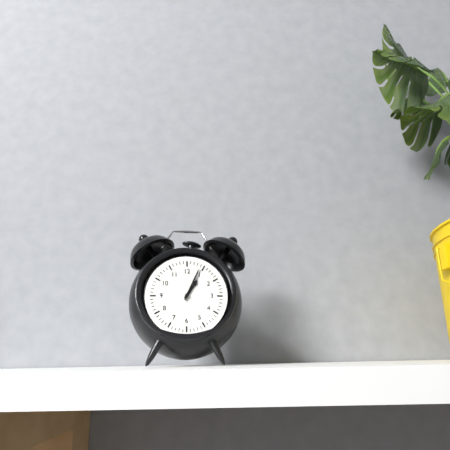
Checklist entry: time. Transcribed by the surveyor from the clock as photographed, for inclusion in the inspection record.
1:04
